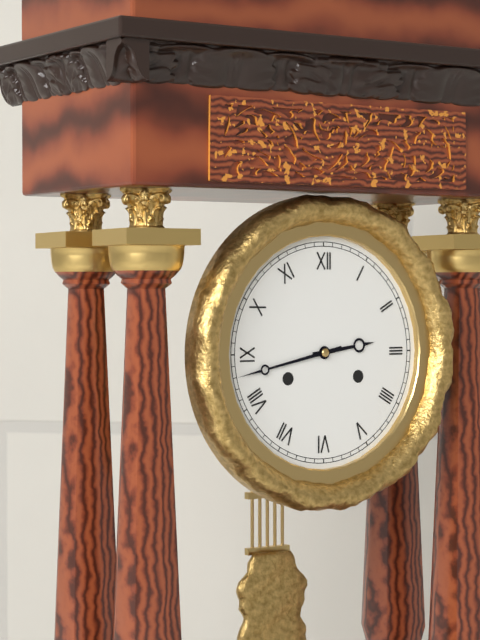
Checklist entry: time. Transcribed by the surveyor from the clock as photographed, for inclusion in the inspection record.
2:43
